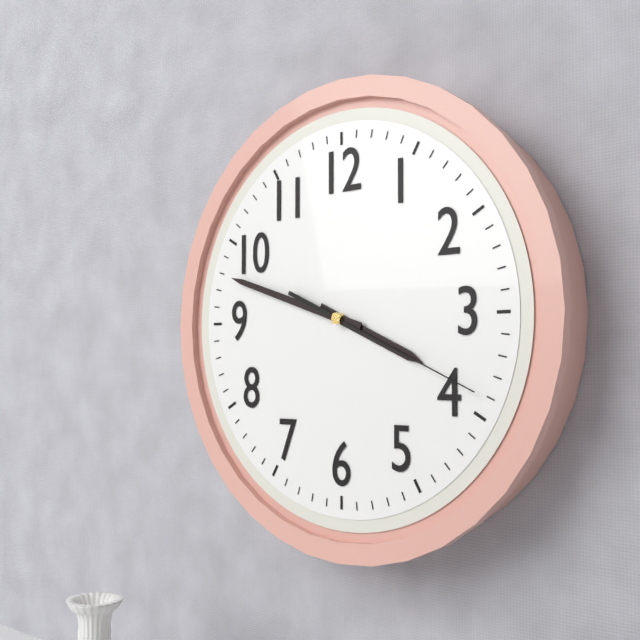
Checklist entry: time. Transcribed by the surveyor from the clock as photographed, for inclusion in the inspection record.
3:48:19
